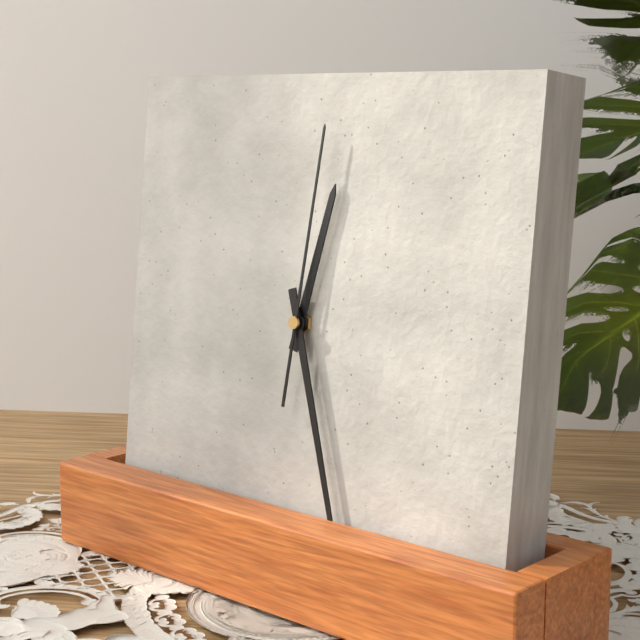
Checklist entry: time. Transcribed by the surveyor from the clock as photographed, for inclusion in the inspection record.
12:27:01
